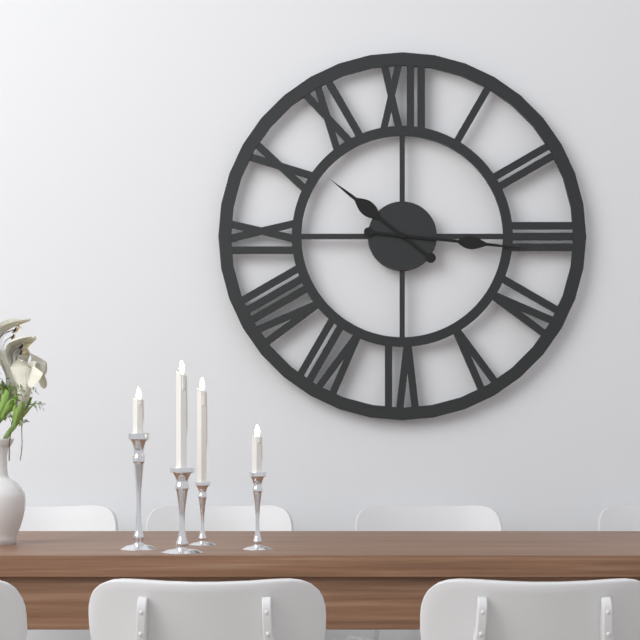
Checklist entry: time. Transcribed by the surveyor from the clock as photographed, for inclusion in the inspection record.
10:16
